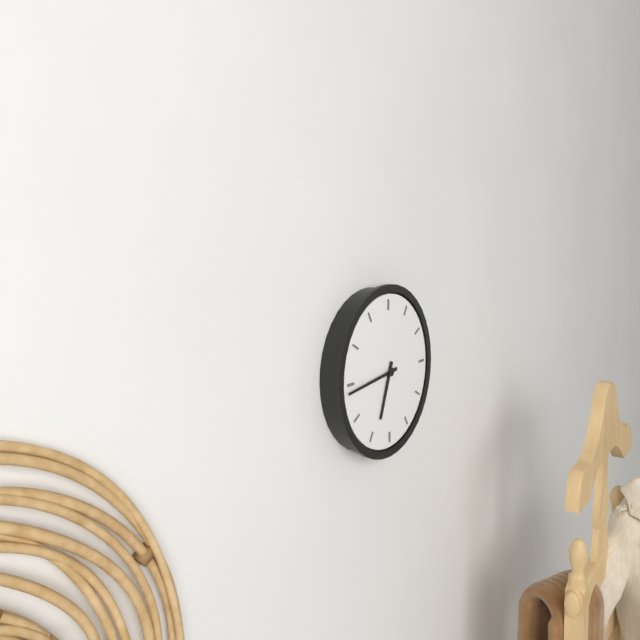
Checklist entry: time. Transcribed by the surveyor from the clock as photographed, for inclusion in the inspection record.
6:44
